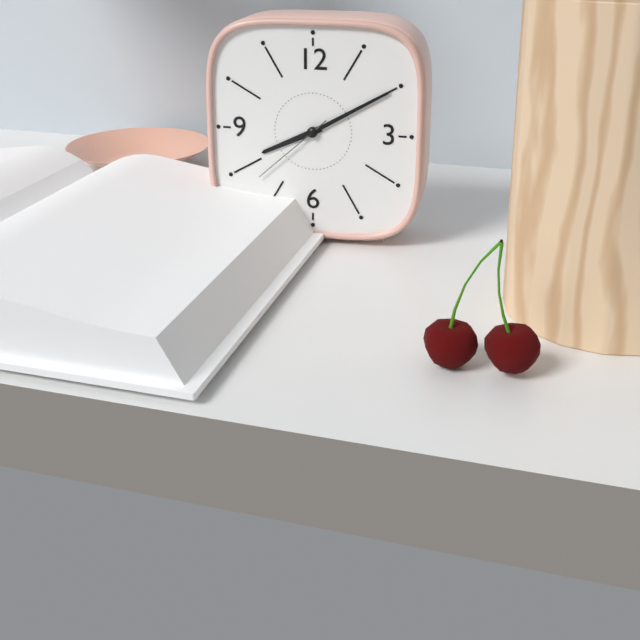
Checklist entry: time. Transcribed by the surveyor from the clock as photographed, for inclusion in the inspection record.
8:10:38
